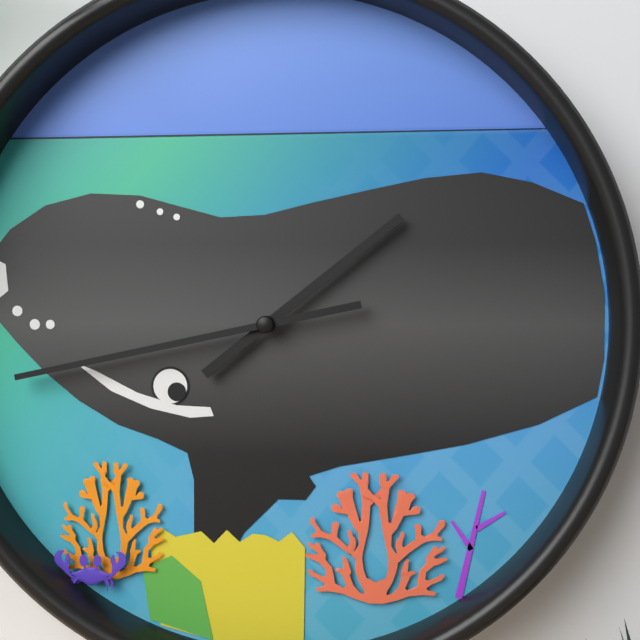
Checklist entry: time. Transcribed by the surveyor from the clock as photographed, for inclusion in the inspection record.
1:43
